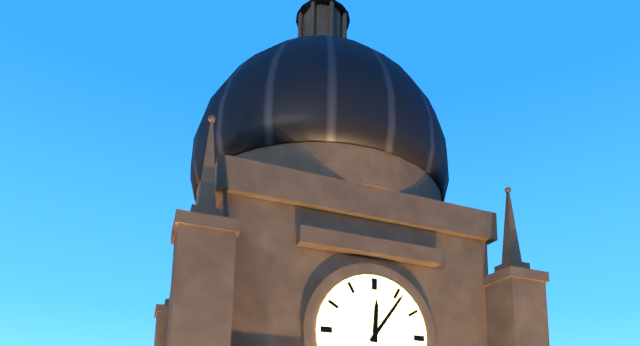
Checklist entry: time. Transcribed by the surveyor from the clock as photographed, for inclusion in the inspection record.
12:06
